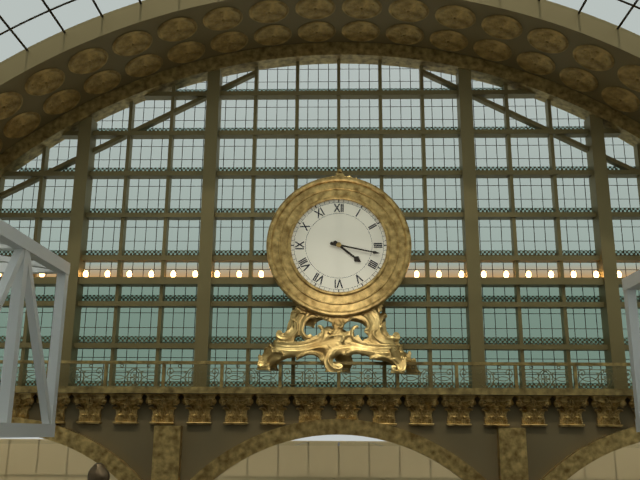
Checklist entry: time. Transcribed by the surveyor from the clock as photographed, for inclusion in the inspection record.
4:17
